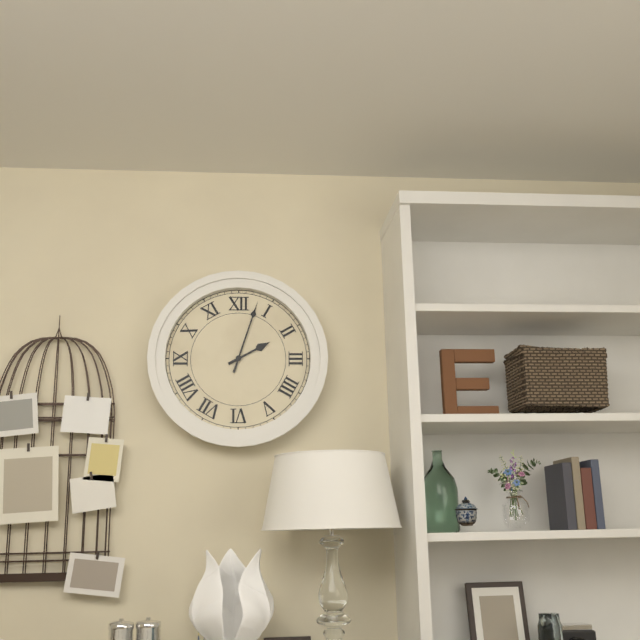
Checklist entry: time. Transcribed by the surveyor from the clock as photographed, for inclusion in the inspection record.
2:03
